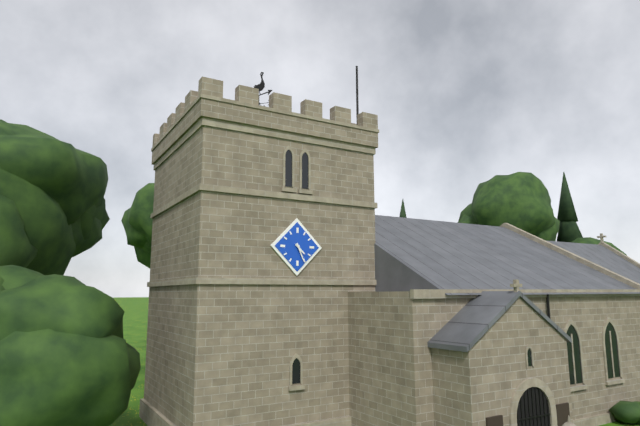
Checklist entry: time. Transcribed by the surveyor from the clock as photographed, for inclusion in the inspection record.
4:26
